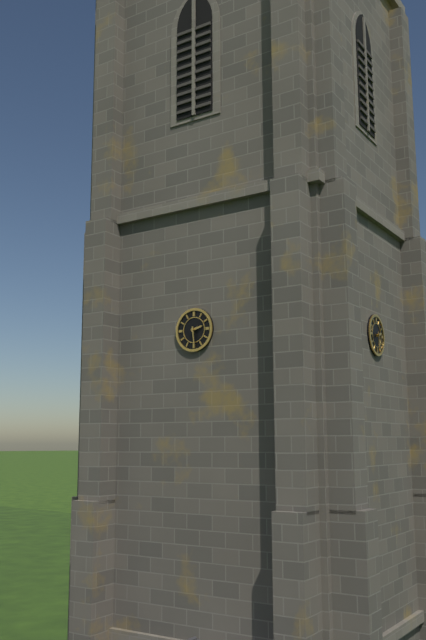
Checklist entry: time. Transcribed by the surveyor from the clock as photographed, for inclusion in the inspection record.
2:29
